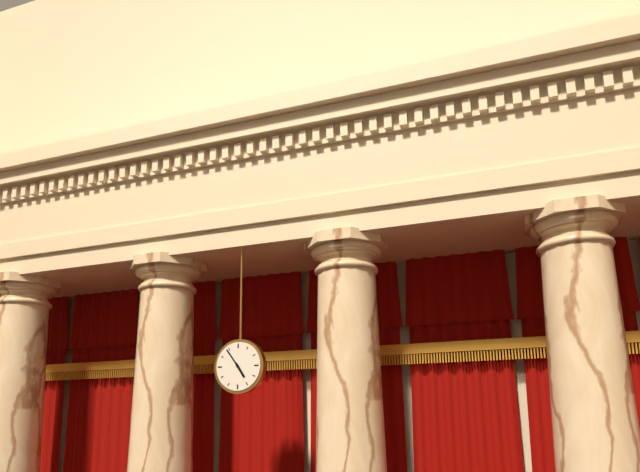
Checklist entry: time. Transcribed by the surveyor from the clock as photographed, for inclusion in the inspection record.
4:54
